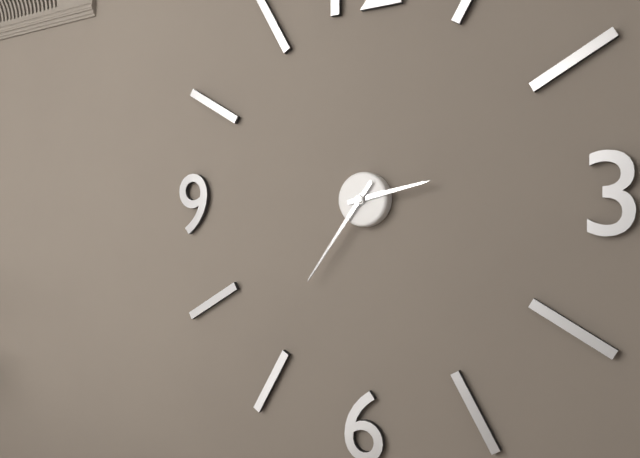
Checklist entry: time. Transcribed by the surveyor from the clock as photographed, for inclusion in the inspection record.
2:36
